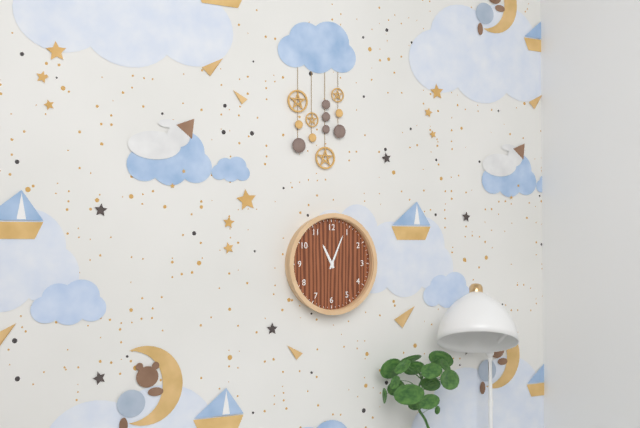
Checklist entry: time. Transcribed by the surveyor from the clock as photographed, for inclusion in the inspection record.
11:04
